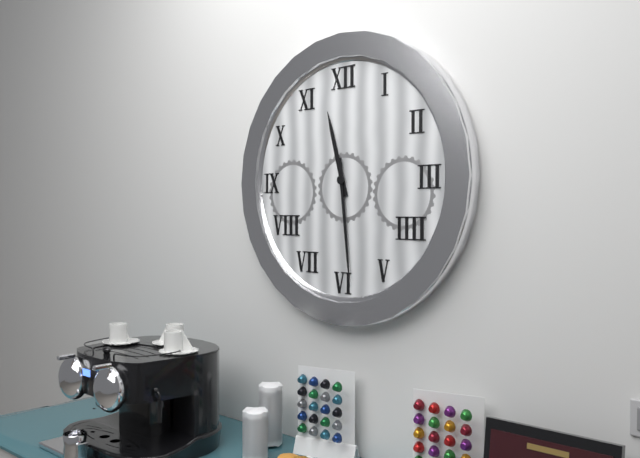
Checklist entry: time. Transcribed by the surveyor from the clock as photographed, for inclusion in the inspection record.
11:29
